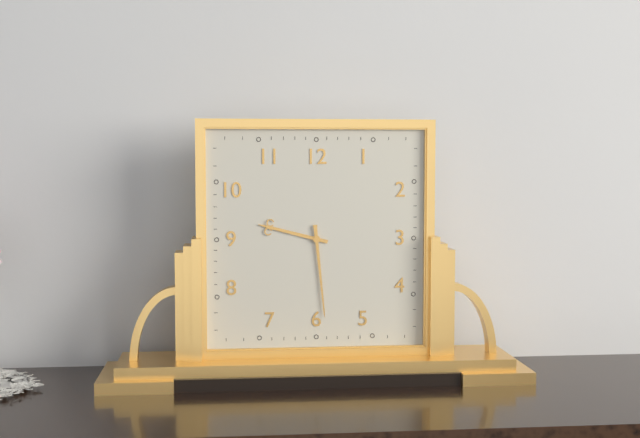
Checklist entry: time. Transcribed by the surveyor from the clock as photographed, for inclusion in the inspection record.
9:29
